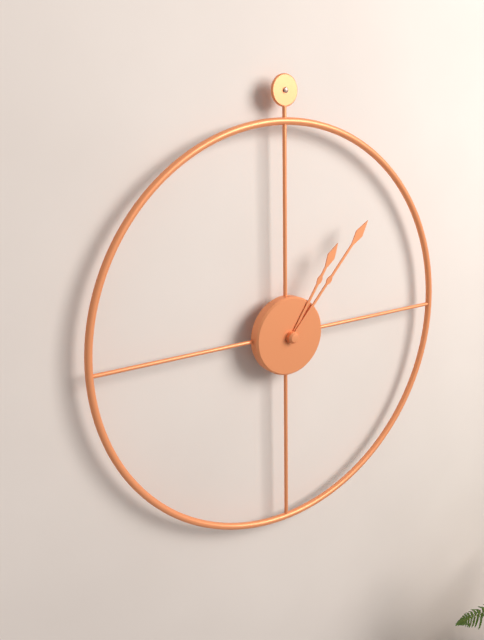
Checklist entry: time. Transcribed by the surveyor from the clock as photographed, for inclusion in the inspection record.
1:07
